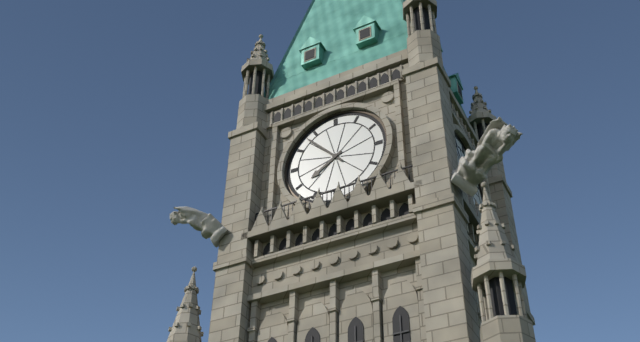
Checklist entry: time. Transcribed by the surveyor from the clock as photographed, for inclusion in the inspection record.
7:53
